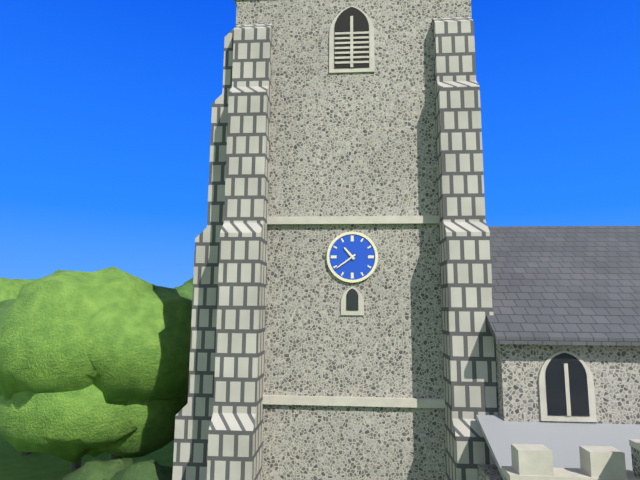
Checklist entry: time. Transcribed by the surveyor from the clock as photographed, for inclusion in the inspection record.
10:39
